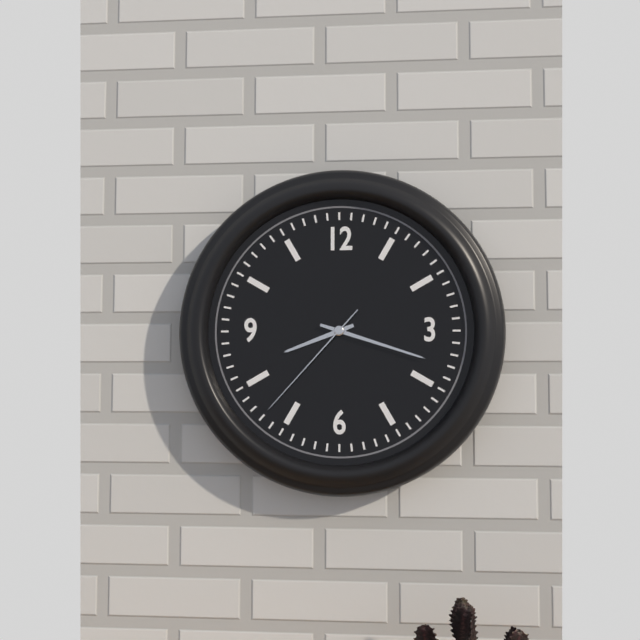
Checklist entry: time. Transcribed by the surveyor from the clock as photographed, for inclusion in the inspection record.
8:18:37
